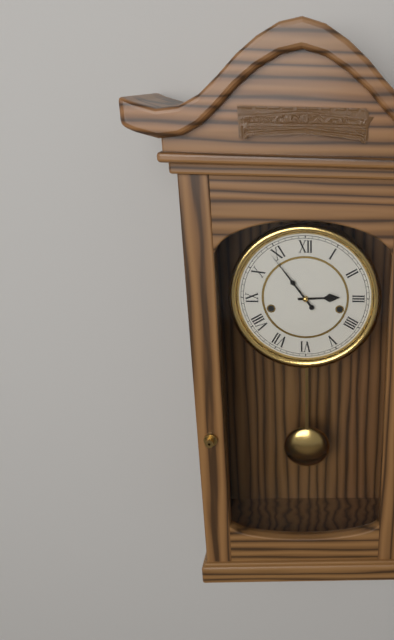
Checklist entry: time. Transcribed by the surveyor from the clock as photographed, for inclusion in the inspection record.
2:54
